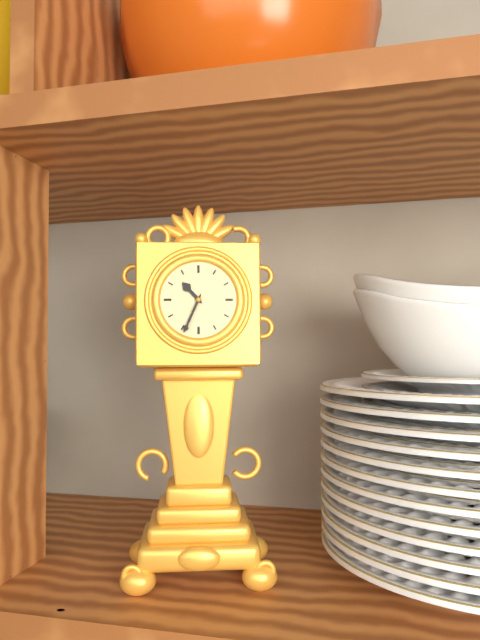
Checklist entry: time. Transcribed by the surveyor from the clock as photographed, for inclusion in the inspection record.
10:34
